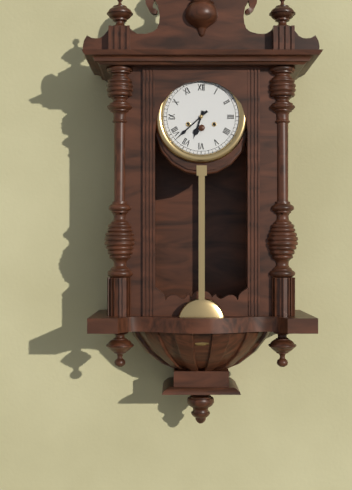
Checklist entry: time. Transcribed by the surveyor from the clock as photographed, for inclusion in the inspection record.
6:38
